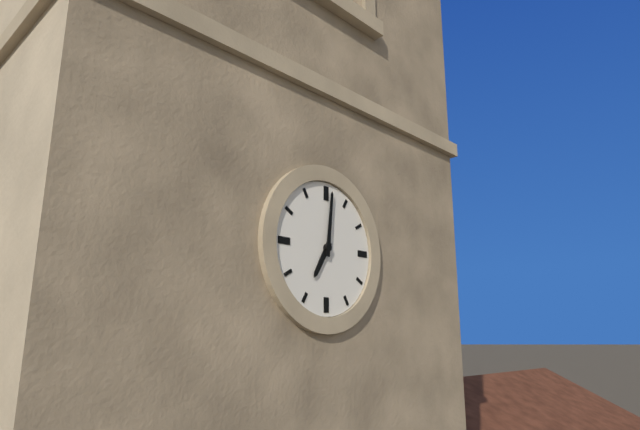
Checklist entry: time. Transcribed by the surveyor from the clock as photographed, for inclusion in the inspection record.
7:01
